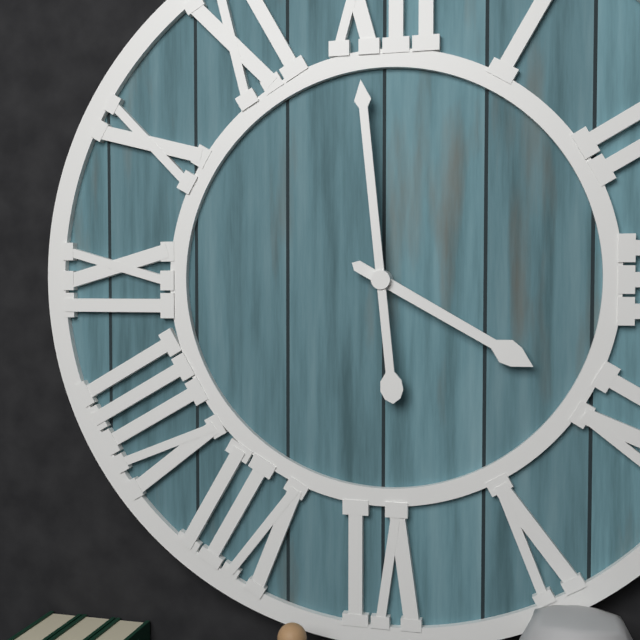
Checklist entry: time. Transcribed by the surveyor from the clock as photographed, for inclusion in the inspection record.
3:59
